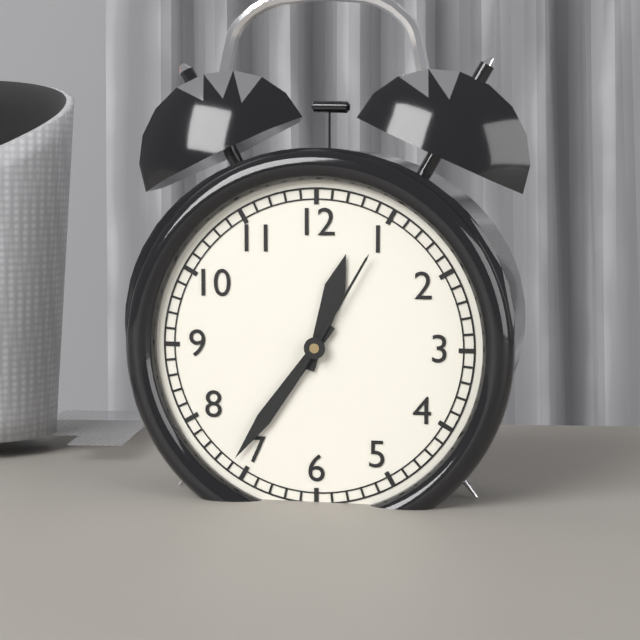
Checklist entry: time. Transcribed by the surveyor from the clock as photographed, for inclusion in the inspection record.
12:36:05
